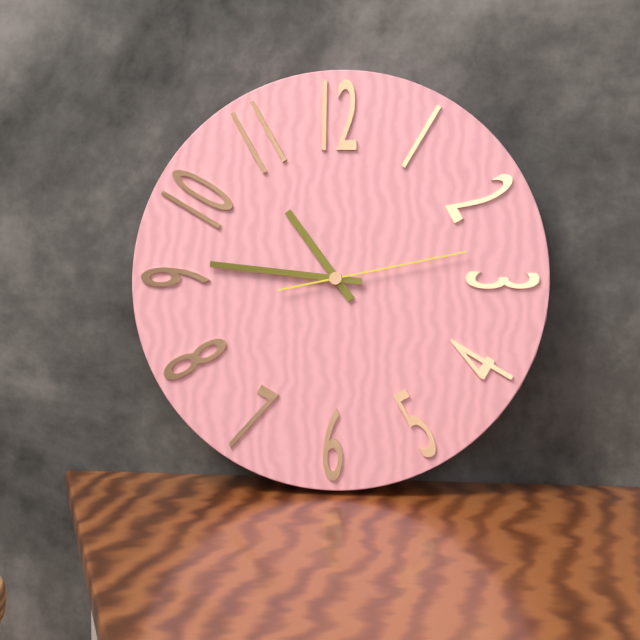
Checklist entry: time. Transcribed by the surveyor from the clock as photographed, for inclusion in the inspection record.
10:46:13
